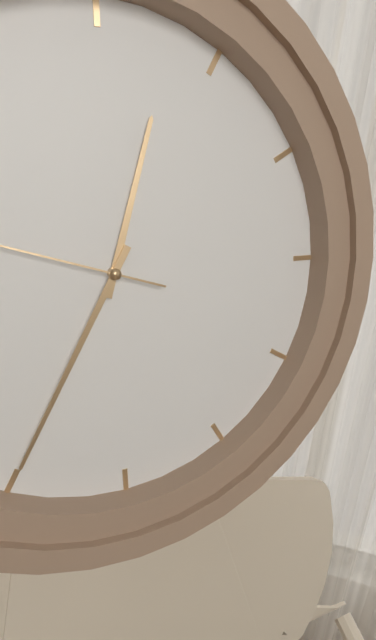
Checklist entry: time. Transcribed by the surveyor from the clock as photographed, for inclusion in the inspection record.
12:35
